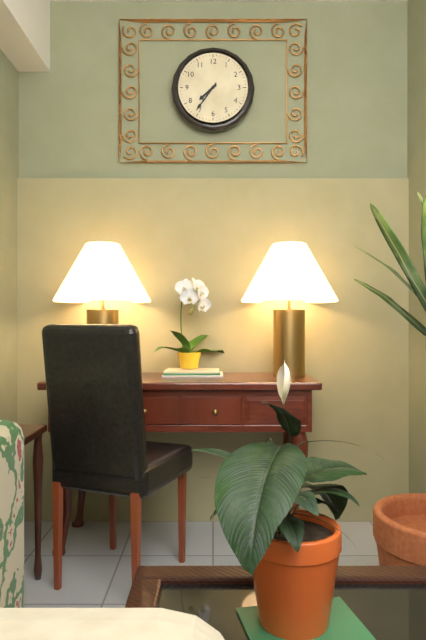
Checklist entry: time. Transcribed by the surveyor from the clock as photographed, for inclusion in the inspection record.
7:36
